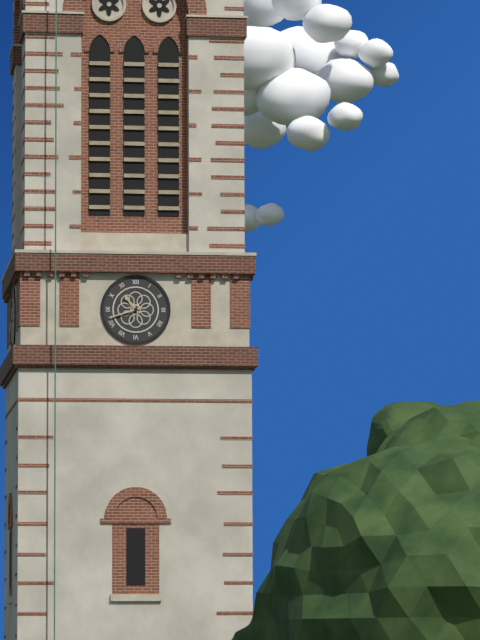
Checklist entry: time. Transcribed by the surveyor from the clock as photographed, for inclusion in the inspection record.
10:42
